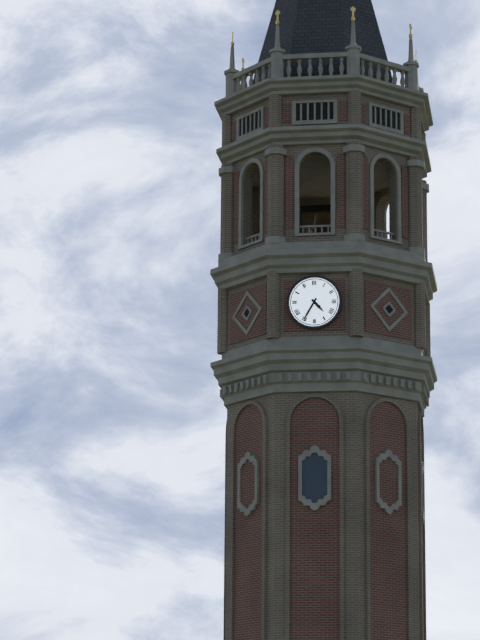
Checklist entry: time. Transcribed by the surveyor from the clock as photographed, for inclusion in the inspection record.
4:35
